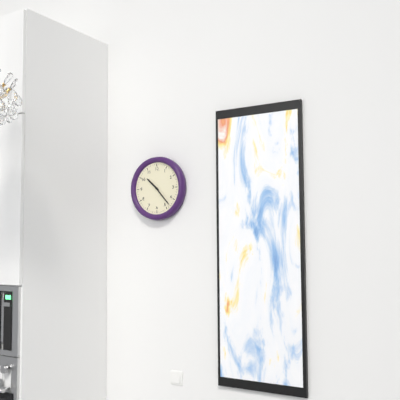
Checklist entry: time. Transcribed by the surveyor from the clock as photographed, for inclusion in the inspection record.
10:23
